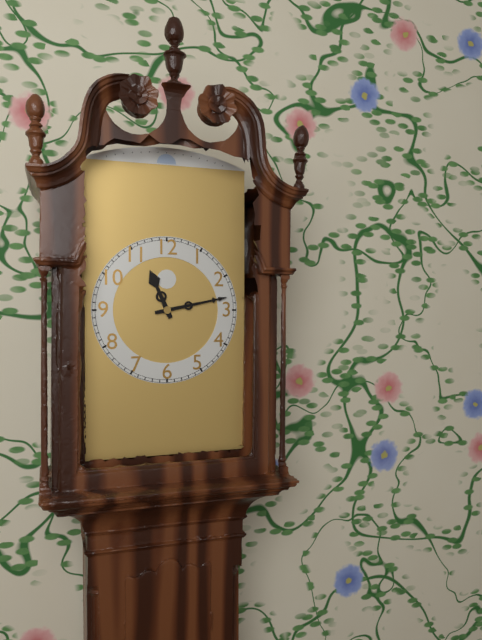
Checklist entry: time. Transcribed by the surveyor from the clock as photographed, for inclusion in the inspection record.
11:13
